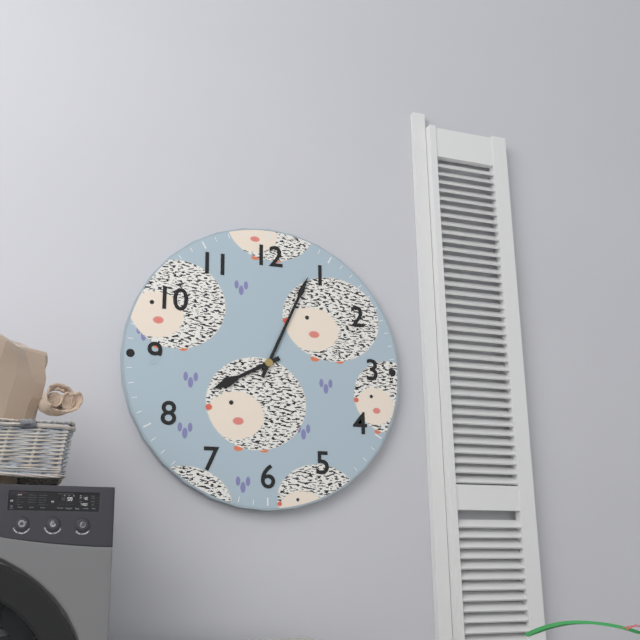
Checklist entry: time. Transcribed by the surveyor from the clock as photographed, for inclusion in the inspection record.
8:04
